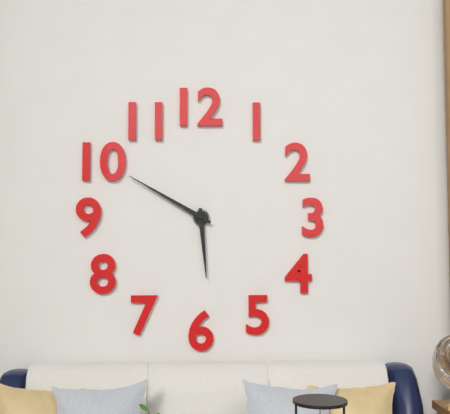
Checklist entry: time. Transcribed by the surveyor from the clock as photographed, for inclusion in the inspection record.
5:50
